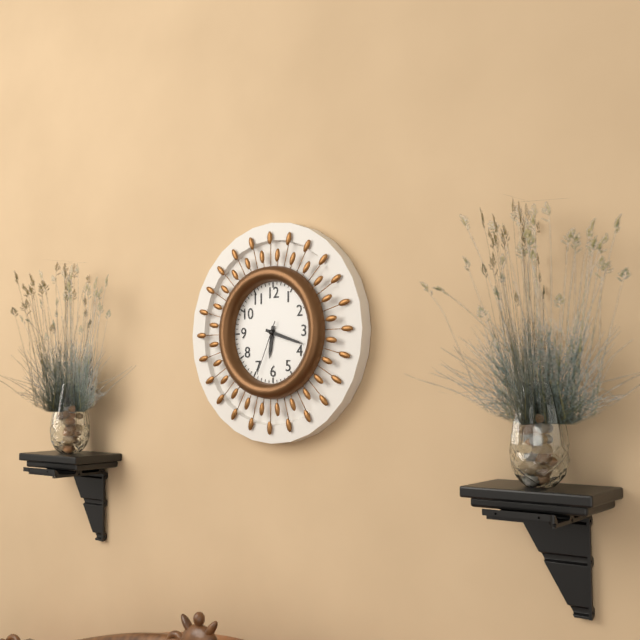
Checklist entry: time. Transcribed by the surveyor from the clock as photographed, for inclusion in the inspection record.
6:18:34
